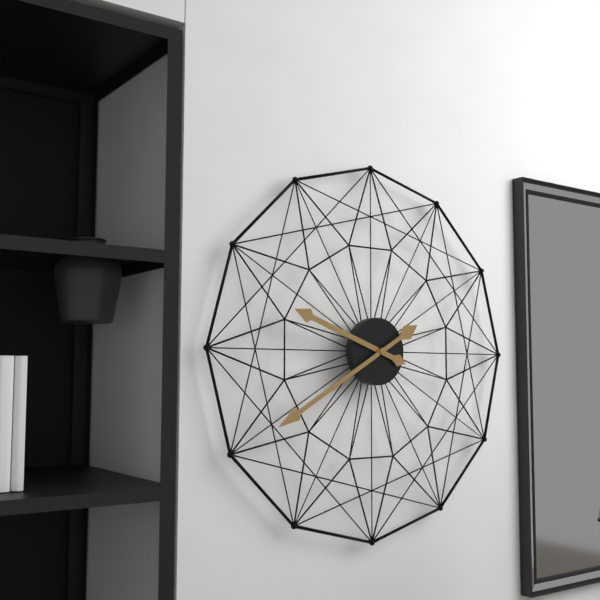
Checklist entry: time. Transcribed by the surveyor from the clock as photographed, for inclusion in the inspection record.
9:40
